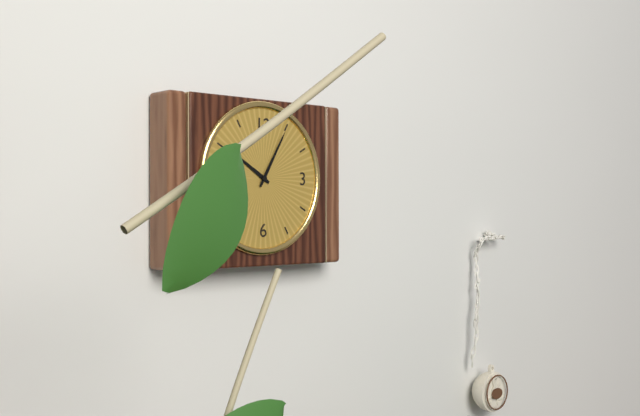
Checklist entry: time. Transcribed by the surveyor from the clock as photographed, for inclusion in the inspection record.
10:05
